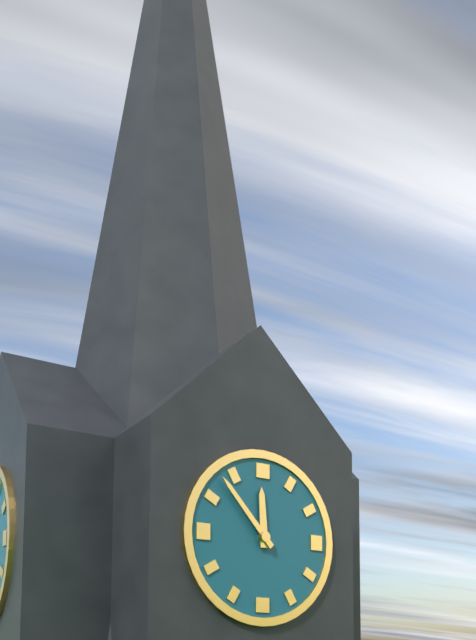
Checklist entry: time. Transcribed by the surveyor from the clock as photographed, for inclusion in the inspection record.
11:53
